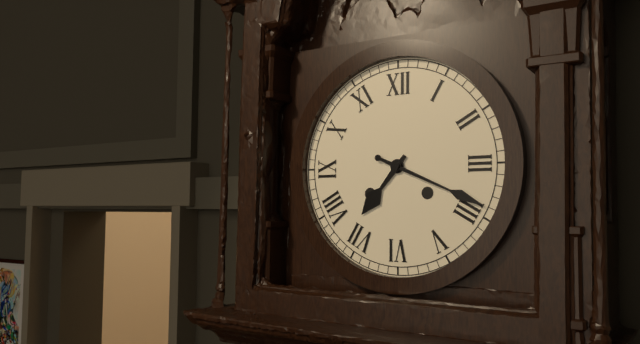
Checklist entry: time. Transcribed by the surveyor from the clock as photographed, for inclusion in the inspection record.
7:19
